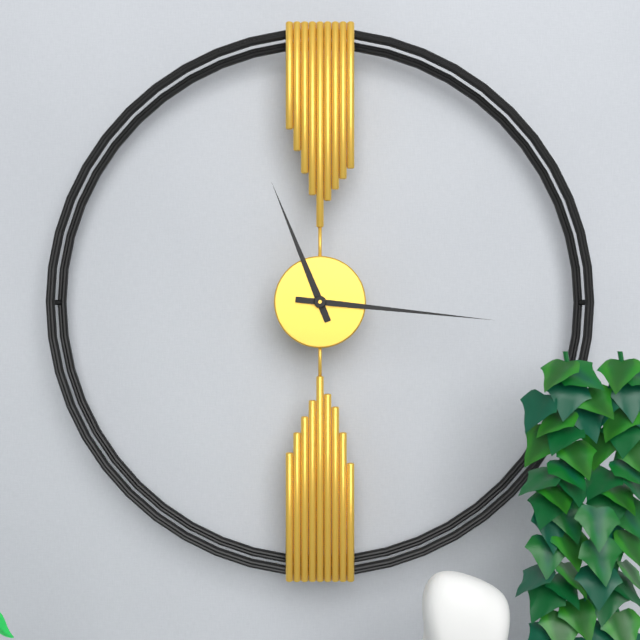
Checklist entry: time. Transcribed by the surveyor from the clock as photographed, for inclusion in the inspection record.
11:16
